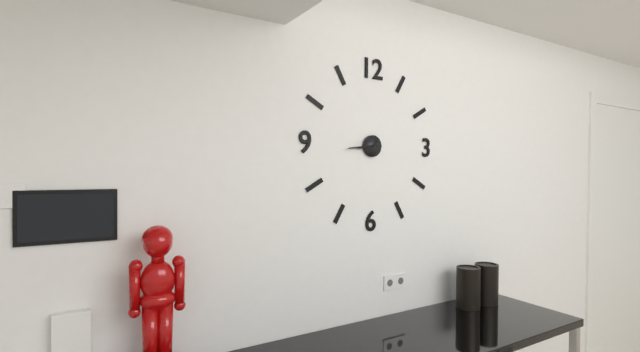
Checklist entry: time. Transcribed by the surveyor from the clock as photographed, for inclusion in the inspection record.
8:44
